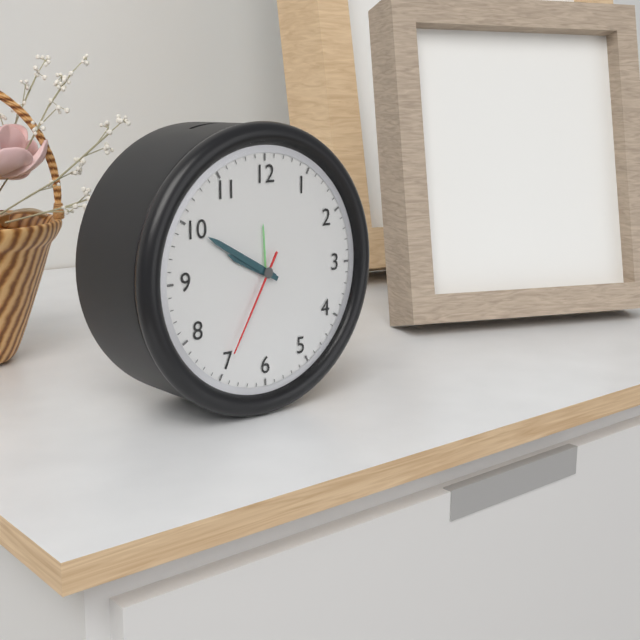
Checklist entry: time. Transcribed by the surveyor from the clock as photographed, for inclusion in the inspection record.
9:50:35
